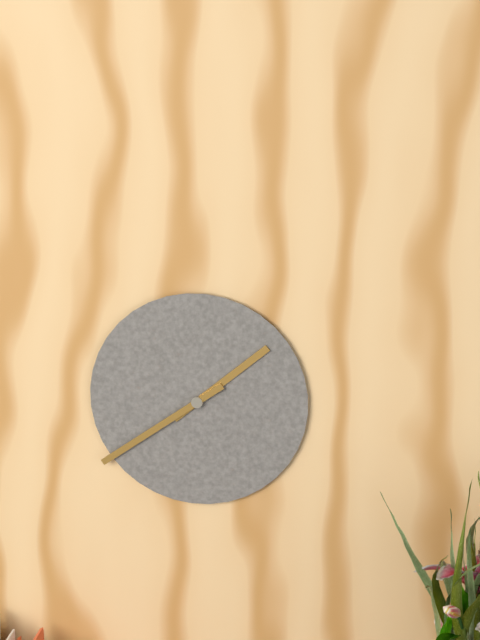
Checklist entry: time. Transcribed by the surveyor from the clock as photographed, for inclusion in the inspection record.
1:39
